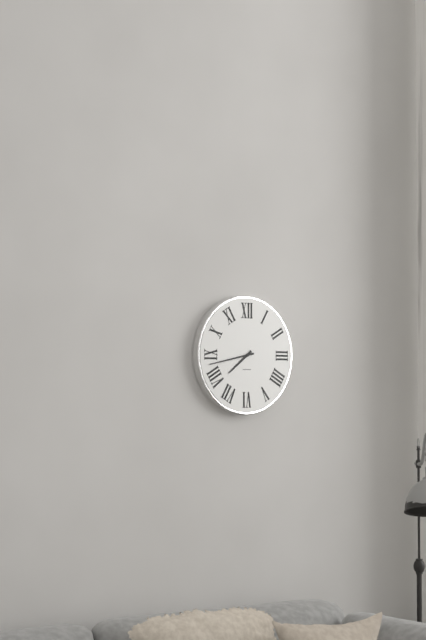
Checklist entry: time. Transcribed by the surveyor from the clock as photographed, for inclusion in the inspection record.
7:43
